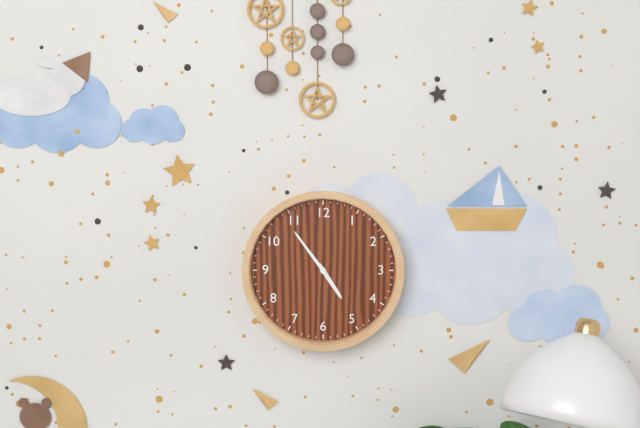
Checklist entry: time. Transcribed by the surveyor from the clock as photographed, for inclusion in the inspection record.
4:54
